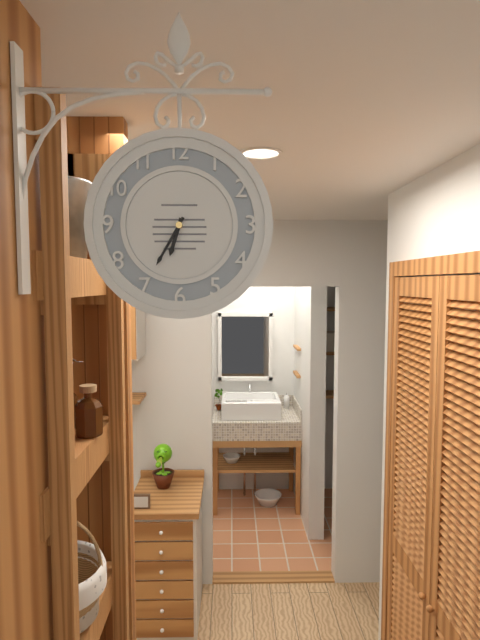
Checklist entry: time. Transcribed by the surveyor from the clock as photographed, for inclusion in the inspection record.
6:35
